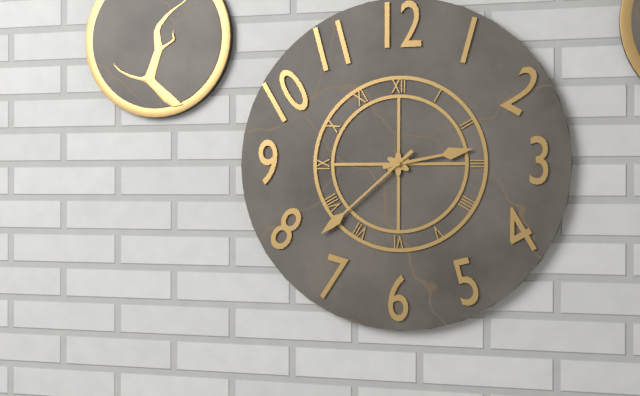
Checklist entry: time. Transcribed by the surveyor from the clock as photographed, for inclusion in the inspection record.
2:38
